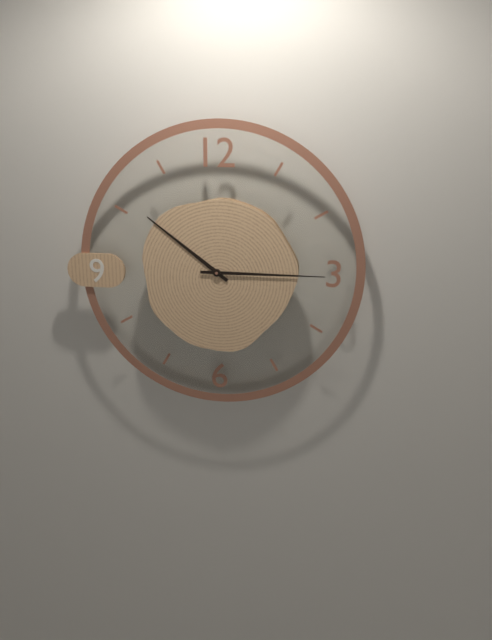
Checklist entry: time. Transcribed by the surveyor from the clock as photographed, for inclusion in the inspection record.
10:15
